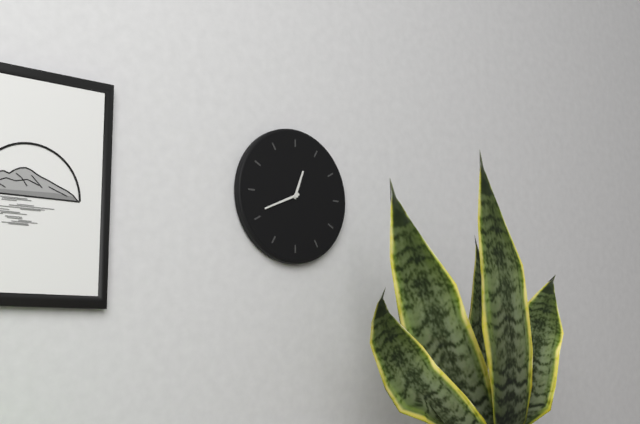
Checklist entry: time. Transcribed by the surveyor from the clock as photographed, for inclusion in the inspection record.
12:41
